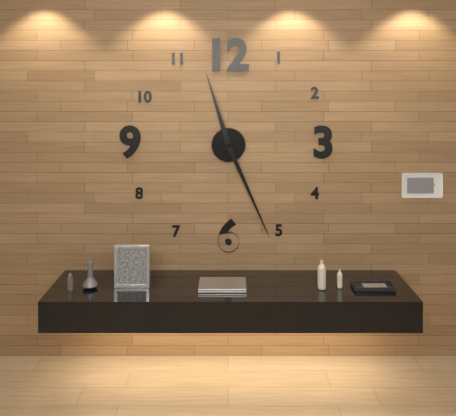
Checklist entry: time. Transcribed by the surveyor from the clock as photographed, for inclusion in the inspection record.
11:26
